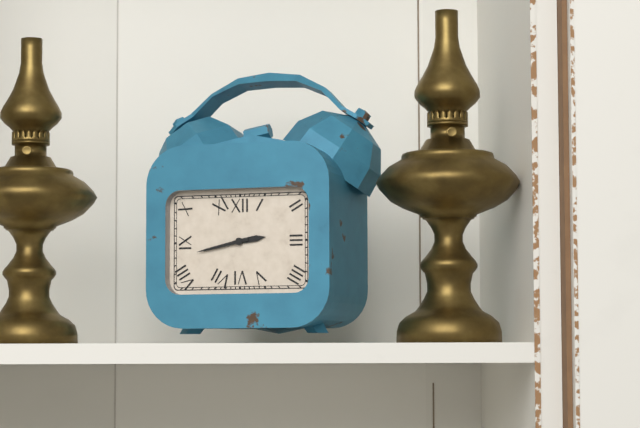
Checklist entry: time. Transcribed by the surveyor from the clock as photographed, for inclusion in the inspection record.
2:43
